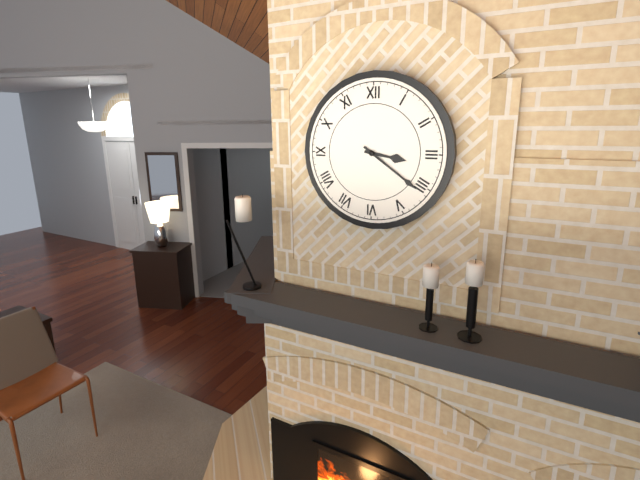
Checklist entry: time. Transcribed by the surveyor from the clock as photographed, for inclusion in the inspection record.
3:21
